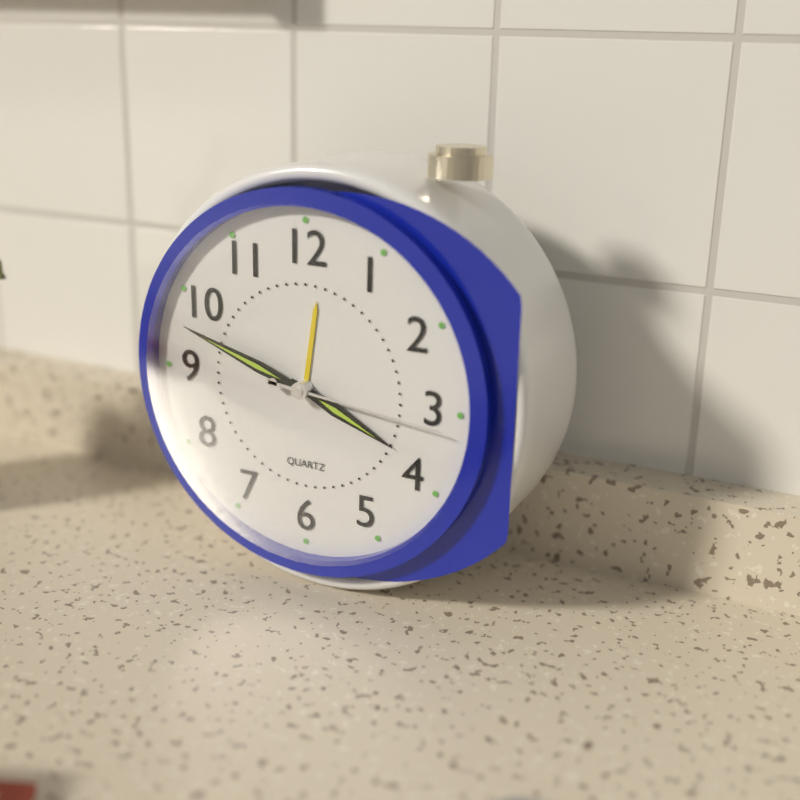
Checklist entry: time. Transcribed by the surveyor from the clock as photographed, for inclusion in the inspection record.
3:48:16
